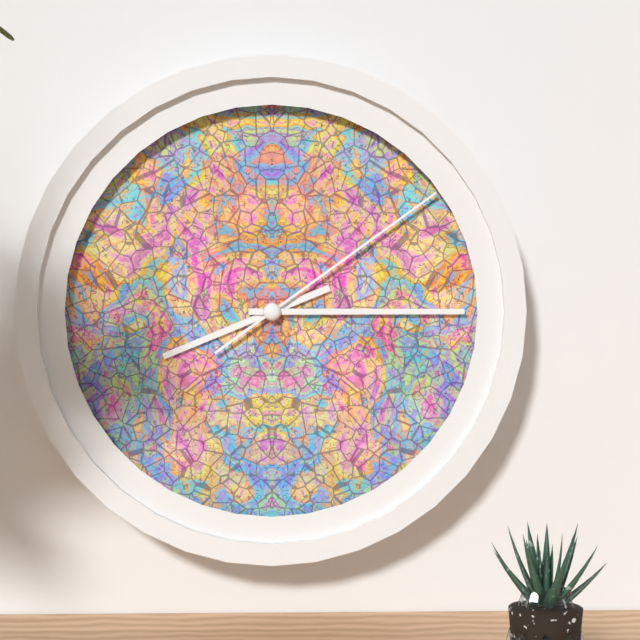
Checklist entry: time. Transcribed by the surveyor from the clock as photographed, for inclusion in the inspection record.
8:15:09
